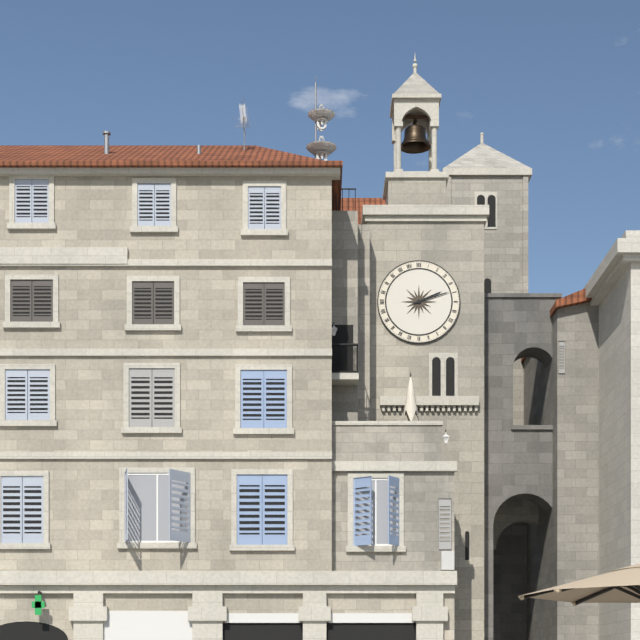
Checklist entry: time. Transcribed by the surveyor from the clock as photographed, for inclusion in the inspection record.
2:12
